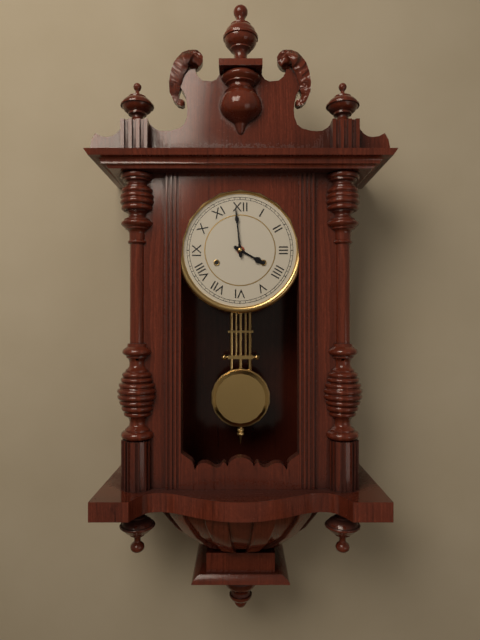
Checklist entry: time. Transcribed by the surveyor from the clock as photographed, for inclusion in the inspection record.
3:59
